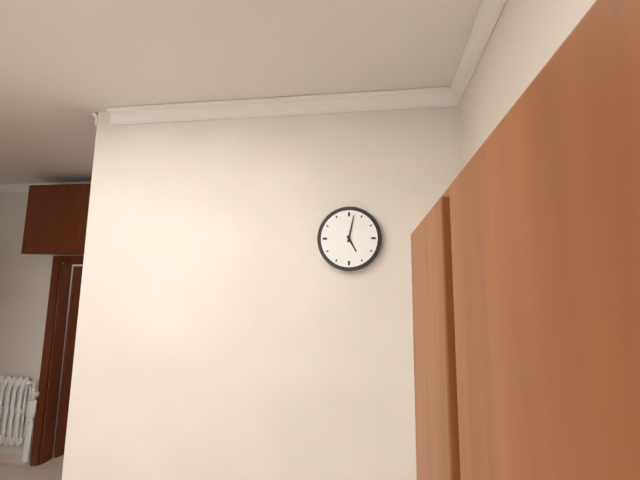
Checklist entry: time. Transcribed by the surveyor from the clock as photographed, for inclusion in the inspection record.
5:02
